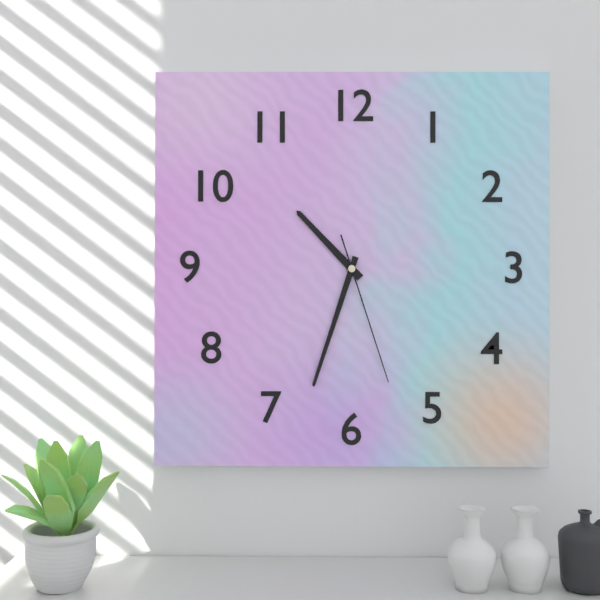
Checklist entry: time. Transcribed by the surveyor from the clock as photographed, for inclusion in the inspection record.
10:33:27
